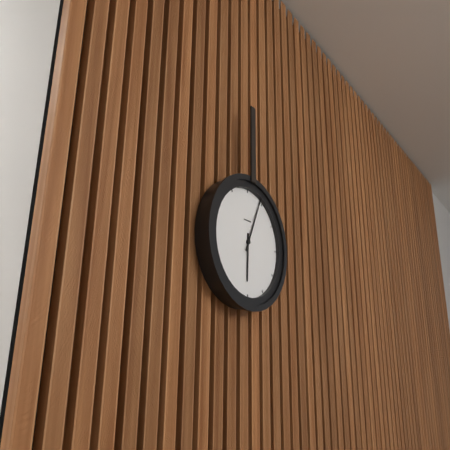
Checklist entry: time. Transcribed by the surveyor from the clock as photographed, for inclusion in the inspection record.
6:04
